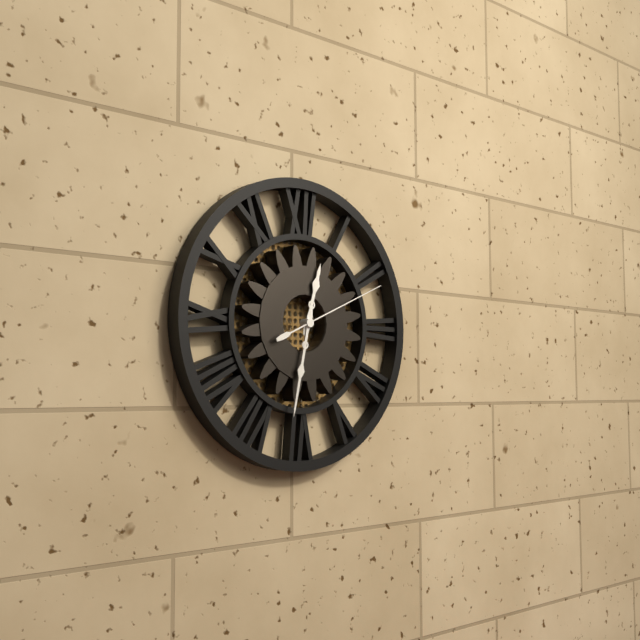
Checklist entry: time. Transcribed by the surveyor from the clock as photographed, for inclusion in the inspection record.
12:32:11
